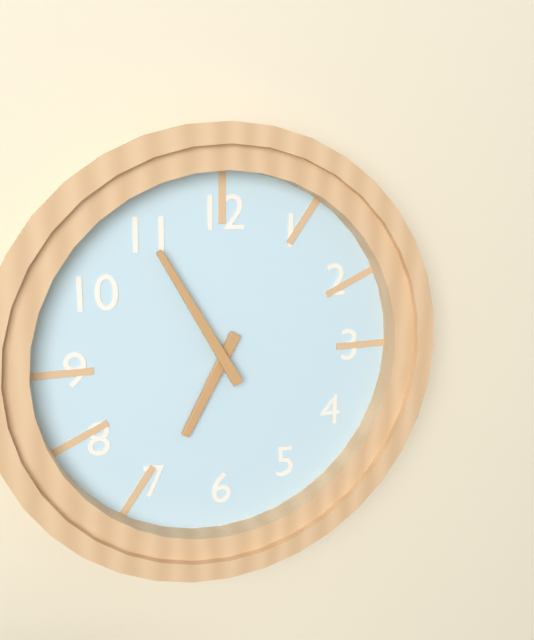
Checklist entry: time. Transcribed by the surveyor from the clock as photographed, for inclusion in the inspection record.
6:55
